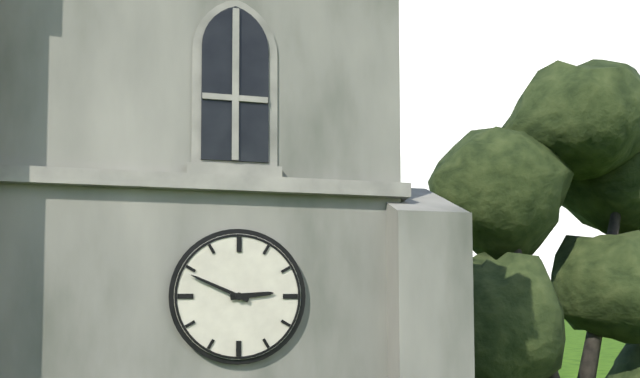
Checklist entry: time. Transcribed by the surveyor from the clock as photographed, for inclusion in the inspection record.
2:49
